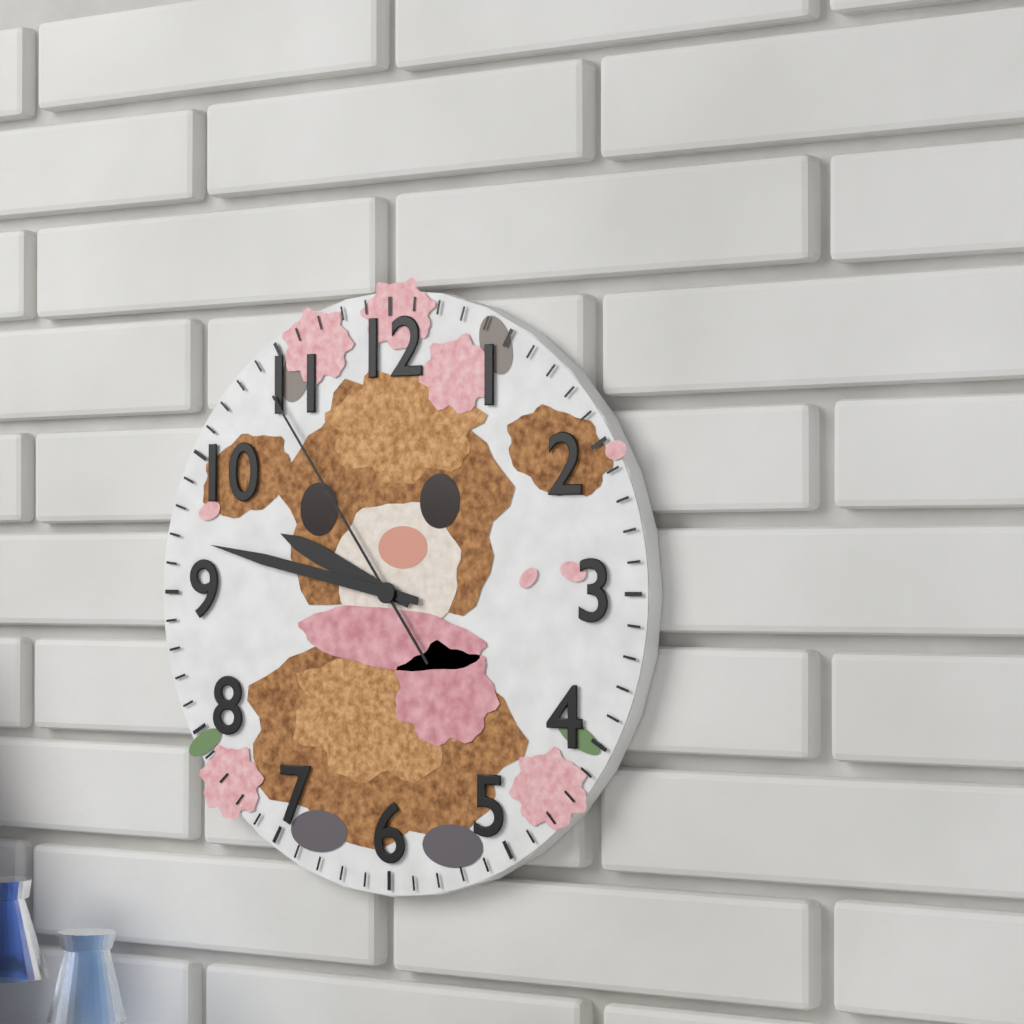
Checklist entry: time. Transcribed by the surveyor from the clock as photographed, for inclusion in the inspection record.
9:47:54
